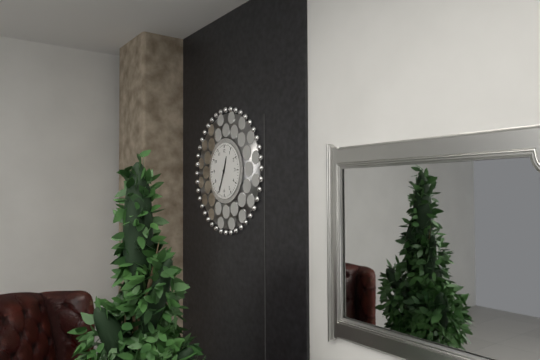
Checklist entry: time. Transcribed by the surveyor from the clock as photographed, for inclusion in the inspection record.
12:34
